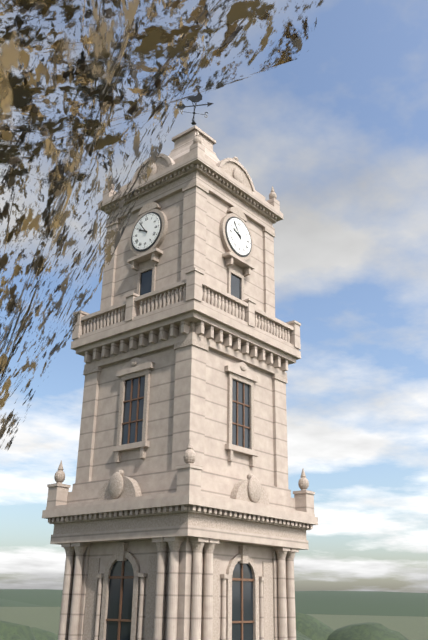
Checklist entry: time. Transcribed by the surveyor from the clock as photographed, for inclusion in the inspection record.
9:54
